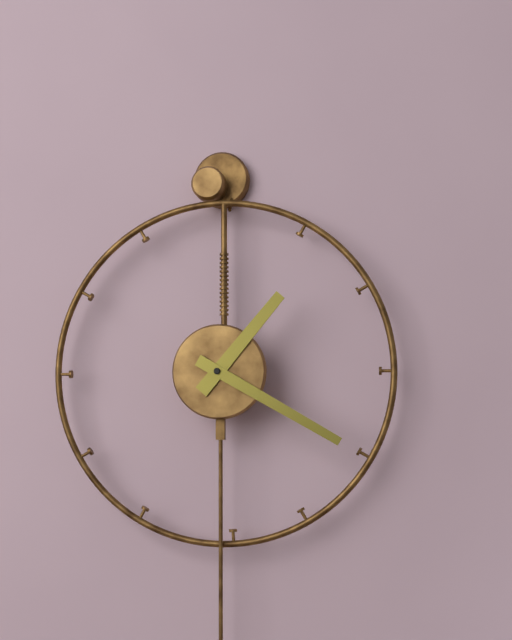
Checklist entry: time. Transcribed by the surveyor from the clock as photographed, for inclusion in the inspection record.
1:20
